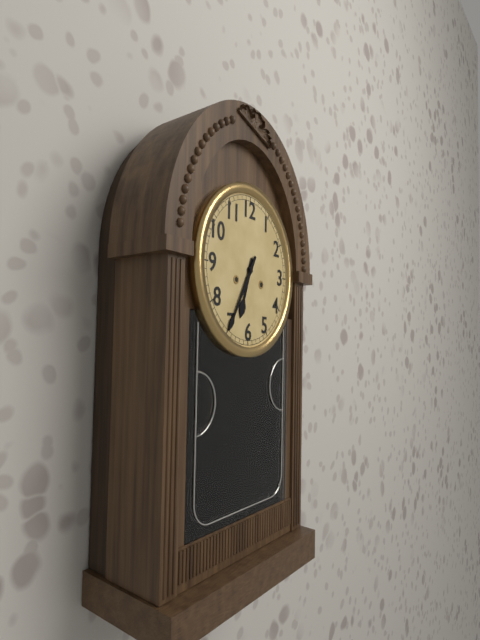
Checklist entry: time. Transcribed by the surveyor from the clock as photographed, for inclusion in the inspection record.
6:35
